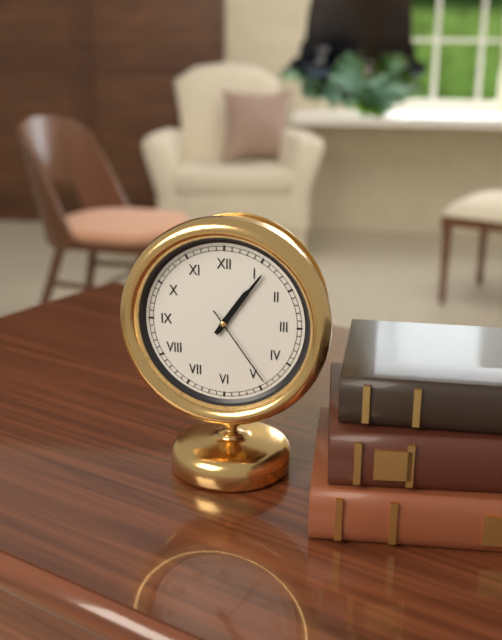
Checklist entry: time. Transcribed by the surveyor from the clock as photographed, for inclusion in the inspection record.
1:06:24
